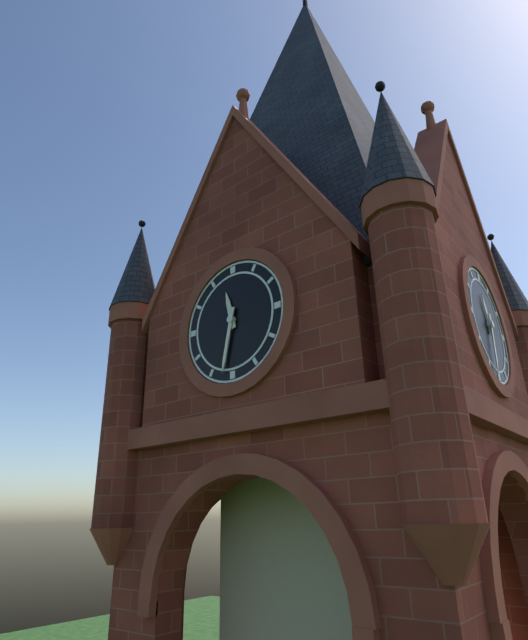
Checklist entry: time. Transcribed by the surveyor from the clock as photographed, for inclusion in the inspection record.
11:32
